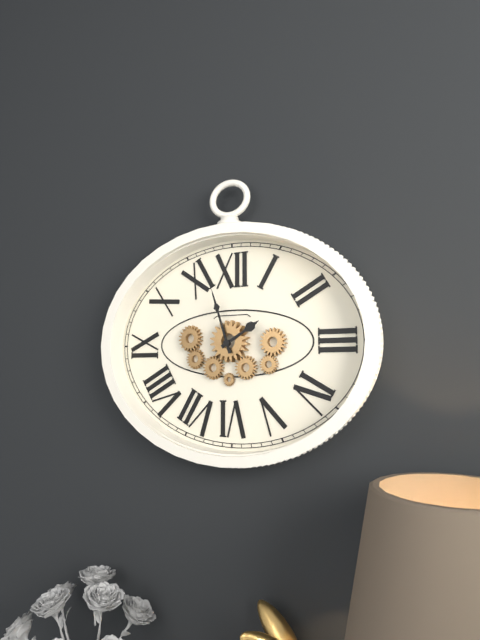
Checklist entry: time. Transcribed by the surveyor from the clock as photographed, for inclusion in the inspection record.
1:57
